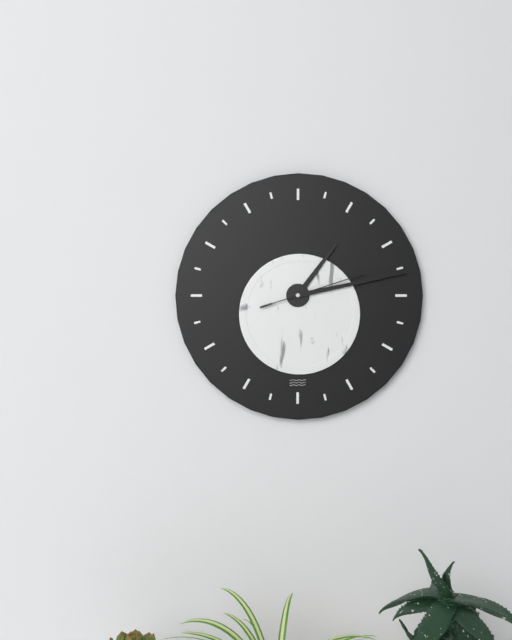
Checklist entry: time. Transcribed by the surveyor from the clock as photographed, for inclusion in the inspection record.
1:13:12
